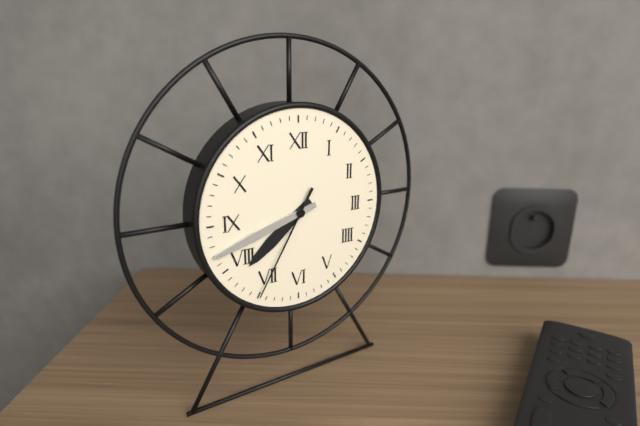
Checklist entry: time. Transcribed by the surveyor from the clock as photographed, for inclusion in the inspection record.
7:42:35
